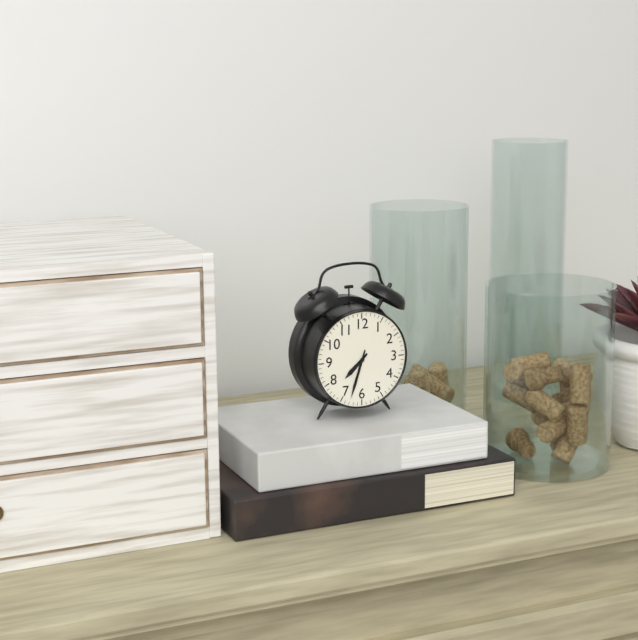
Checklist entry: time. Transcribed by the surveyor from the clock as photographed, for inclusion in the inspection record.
7:33
